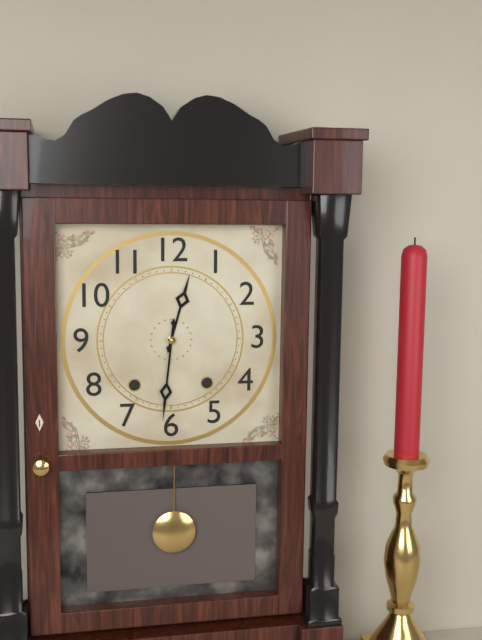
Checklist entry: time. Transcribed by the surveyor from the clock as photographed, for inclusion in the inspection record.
12:31
